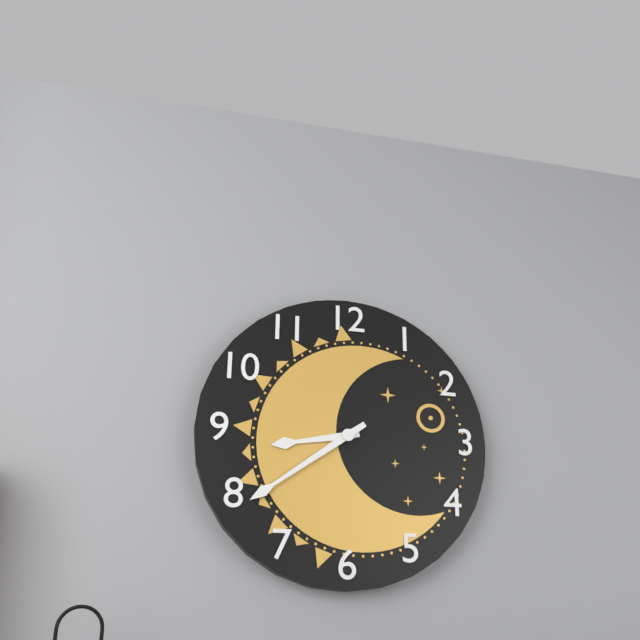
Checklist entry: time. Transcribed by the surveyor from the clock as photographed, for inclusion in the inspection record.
8:39
